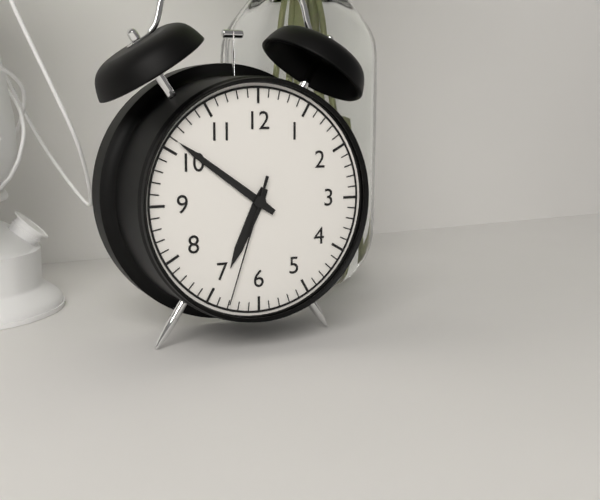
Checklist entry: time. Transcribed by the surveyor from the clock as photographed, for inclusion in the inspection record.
6:51:33
